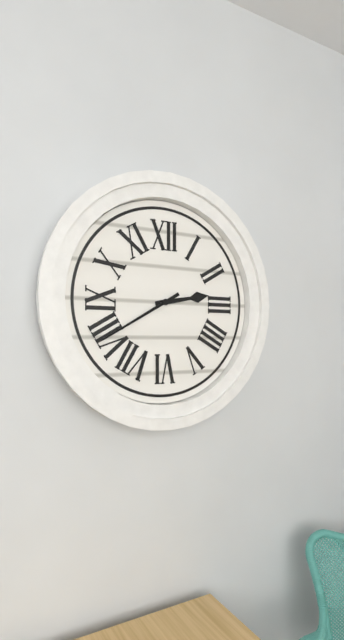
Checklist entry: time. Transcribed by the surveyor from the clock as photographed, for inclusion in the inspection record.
2:40
